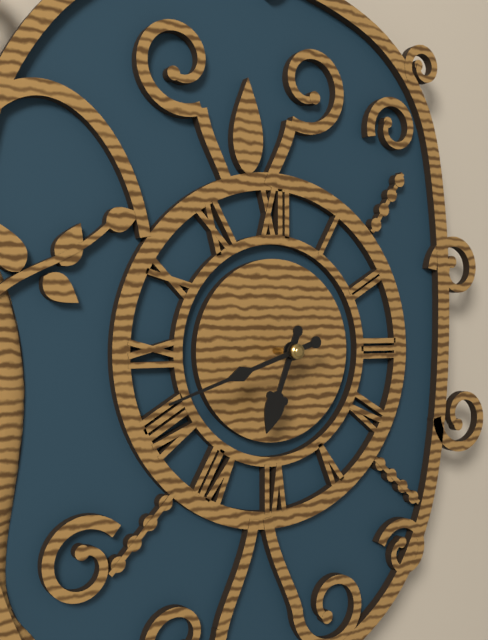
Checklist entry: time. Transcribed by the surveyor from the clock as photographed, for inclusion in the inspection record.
6:42
